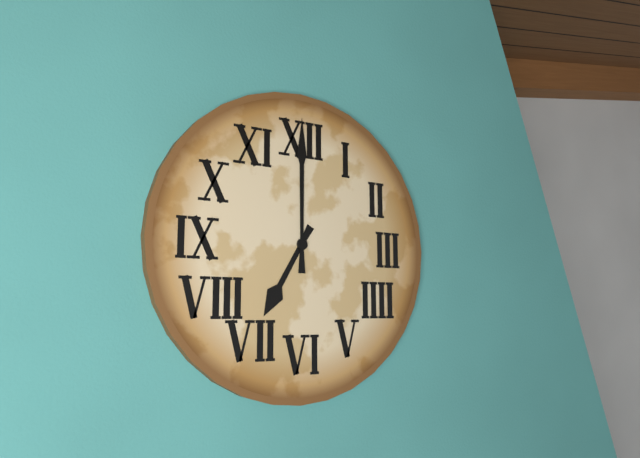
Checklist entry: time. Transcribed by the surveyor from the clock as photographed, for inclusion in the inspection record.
7:00
